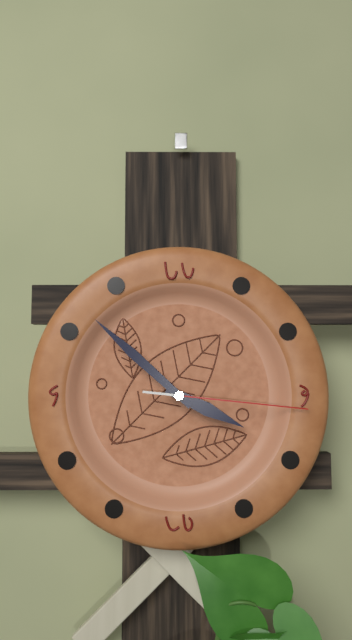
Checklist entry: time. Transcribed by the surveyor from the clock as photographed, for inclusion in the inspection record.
3:52:16
